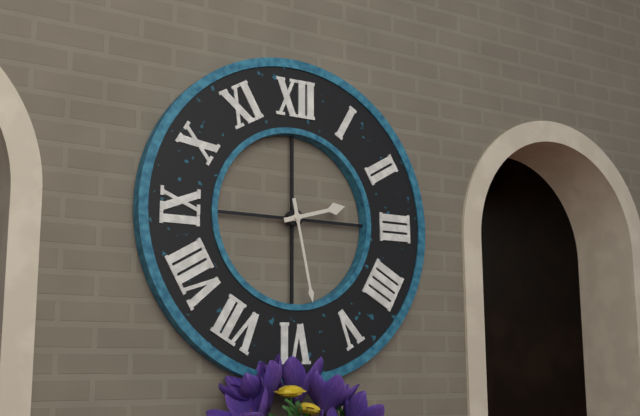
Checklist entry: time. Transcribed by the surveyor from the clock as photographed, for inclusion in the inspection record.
2:28
